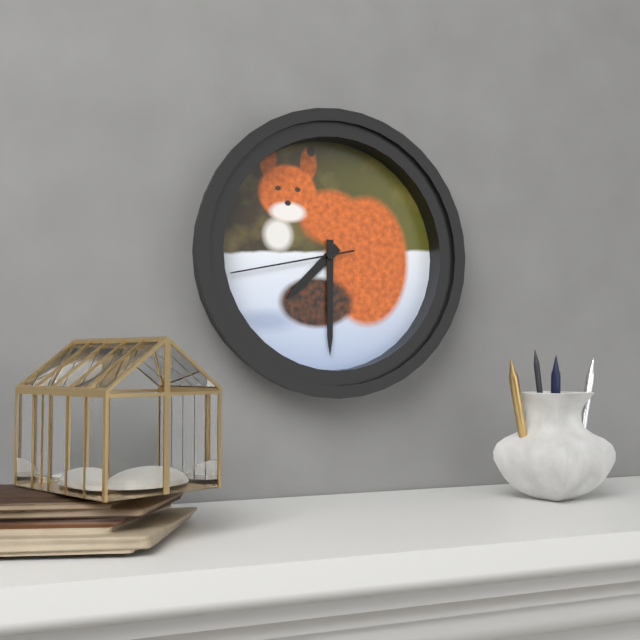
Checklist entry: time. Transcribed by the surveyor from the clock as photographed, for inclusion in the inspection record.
7:30:43
